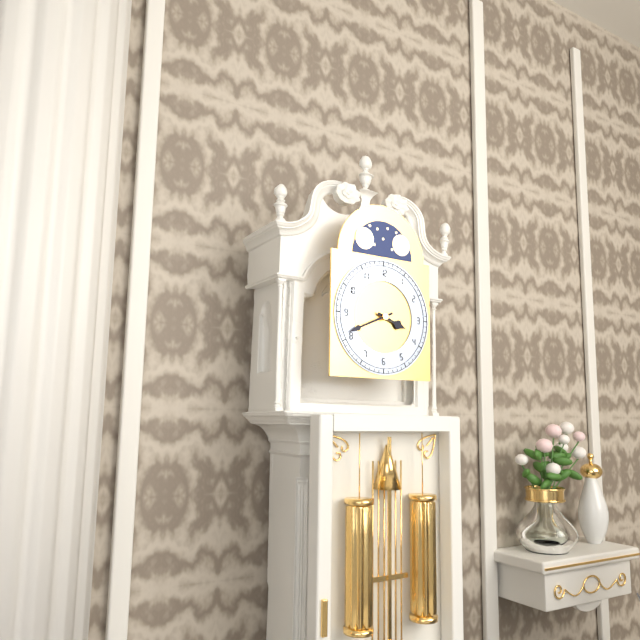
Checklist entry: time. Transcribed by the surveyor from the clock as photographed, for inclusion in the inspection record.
3:41
